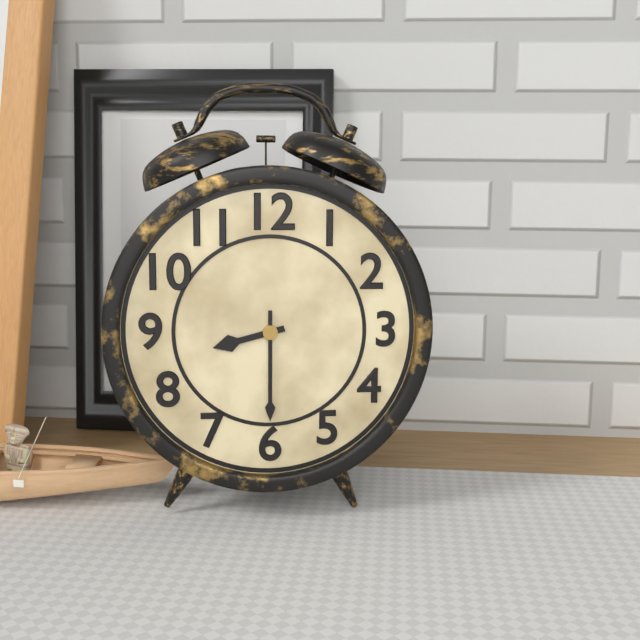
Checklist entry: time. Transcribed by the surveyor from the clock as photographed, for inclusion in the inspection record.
8:30
